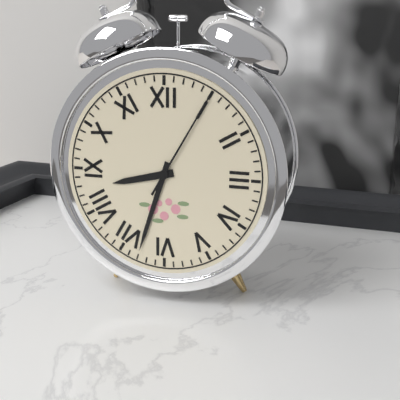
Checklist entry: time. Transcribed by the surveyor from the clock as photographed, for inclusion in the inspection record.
8:33:05
